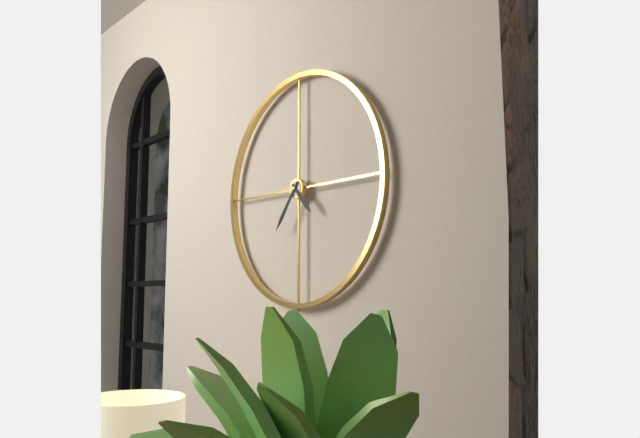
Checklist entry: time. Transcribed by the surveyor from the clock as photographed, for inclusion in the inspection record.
4:36
